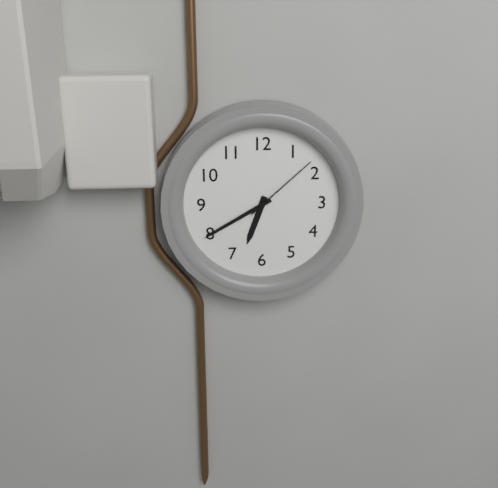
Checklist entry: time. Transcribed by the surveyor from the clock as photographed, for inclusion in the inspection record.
6:40:08
